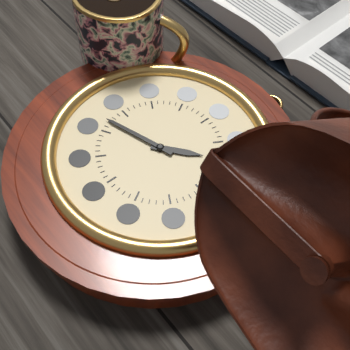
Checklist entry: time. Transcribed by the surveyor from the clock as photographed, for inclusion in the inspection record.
1:42
